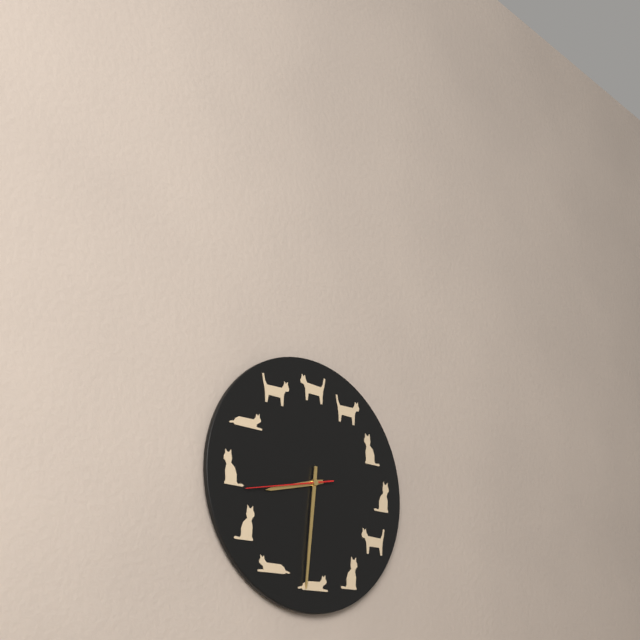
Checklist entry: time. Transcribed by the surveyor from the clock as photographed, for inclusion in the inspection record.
8:31:43
